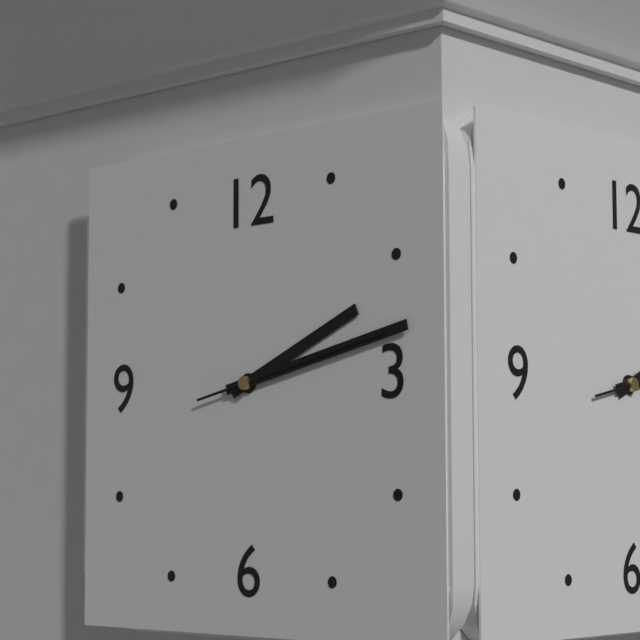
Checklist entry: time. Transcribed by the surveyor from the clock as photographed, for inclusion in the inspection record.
2:13:13
